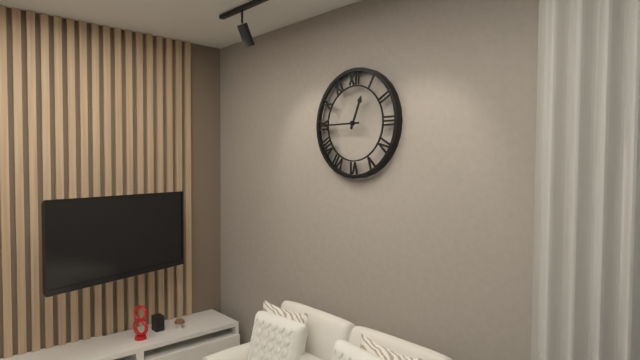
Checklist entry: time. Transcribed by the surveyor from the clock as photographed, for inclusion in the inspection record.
12:45
